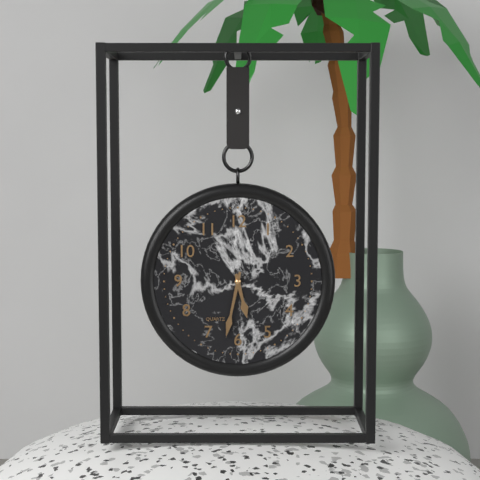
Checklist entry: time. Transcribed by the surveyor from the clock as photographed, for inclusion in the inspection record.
5:32
